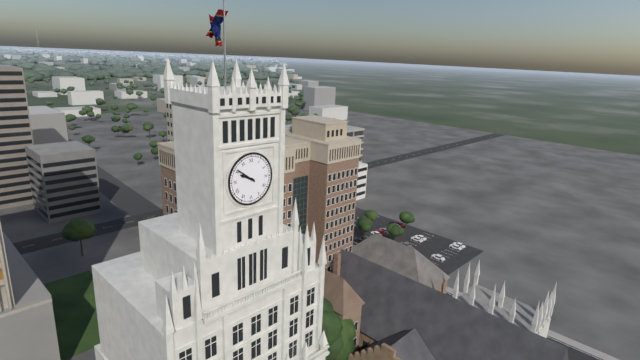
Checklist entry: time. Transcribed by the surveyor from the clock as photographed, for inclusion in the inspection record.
9:51
